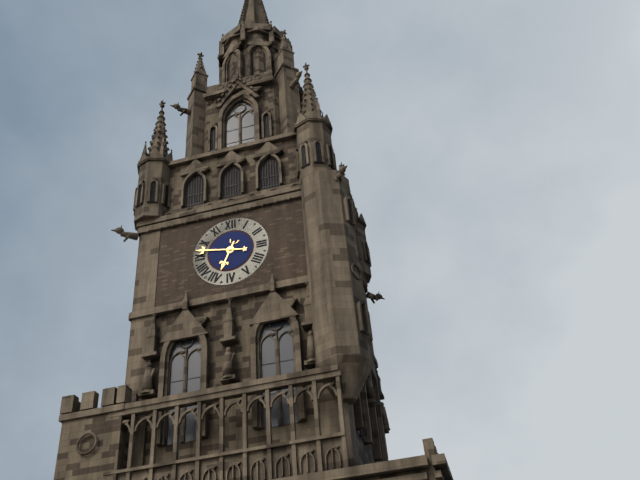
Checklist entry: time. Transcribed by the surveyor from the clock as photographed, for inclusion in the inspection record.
6:47
